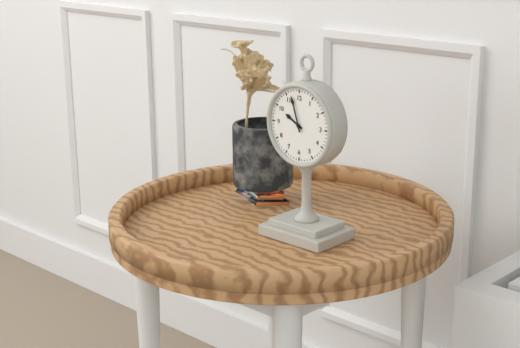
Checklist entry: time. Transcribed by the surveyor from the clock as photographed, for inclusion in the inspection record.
9:57
